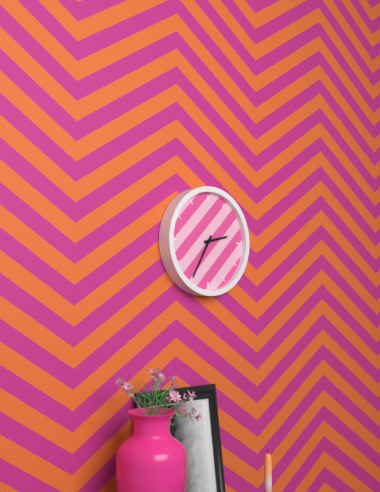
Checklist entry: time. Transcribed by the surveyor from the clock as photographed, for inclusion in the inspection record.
2:35
